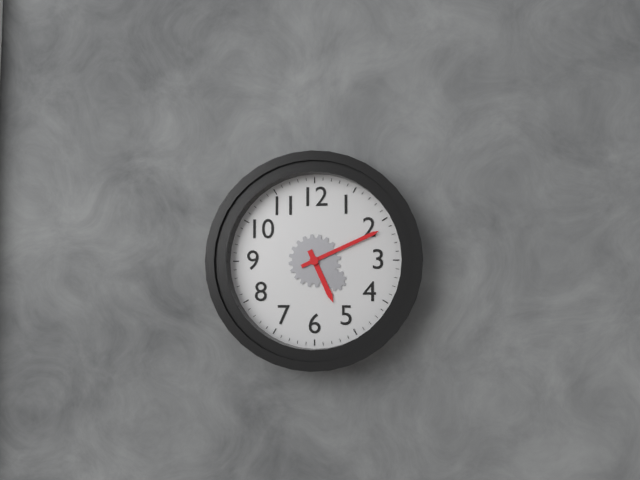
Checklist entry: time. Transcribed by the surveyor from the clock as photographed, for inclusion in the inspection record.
5:11
